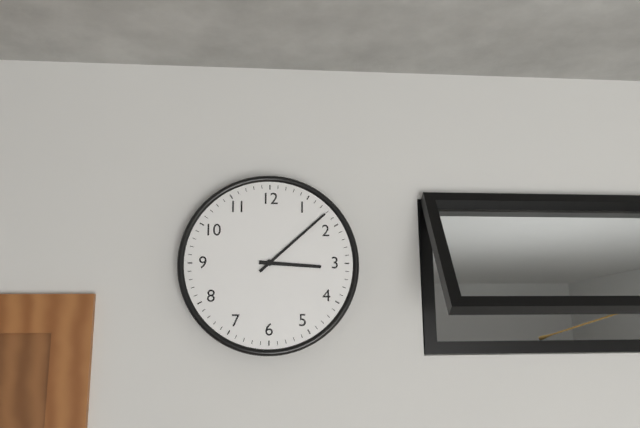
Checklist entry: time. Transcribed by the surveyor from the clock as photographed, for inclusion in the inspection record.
3:08
